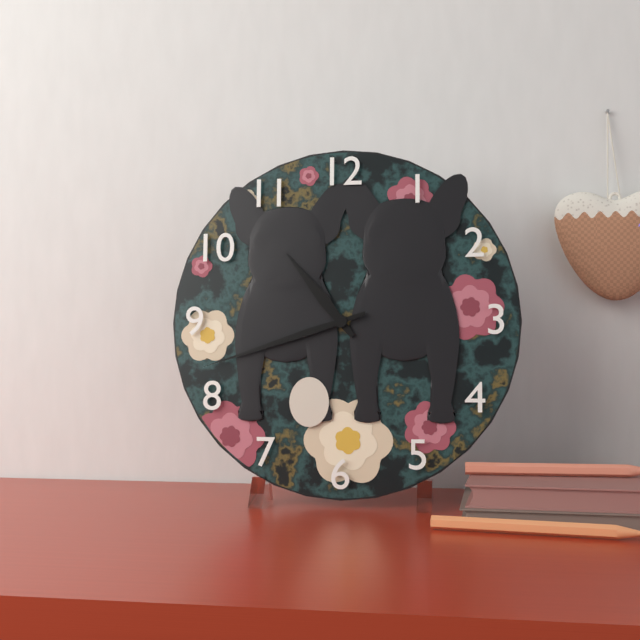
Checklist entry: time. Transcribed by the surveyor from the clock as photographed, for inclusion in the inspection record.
10:42
